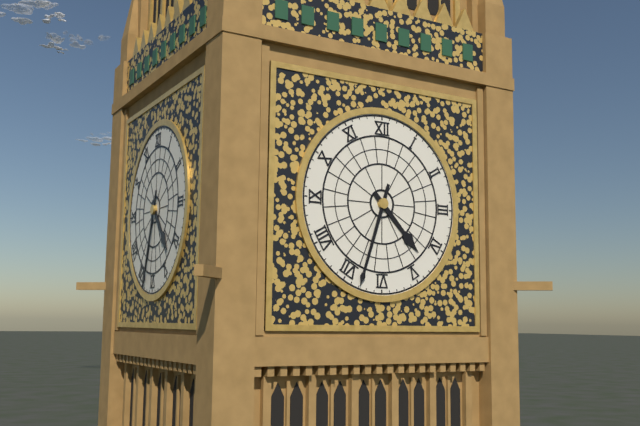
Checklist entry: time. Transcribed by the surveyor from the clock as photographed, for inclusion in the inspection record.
4:33
